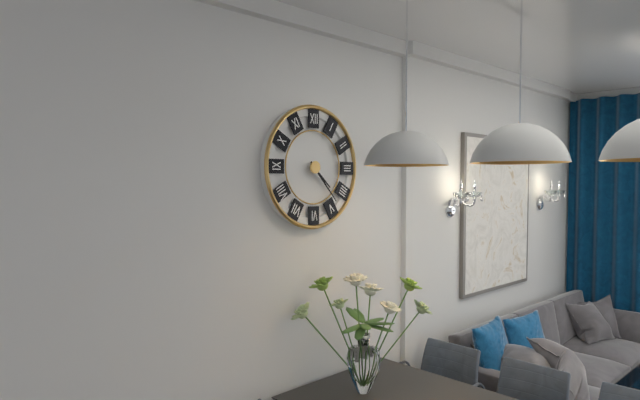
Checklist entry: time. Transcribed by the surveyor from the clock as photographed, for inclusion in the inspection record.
4:23
